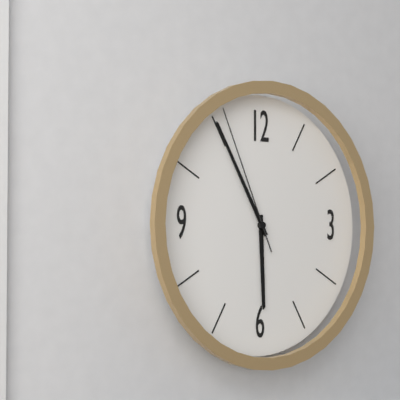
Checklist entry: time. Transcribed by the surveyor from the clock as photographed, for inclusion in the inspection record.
5:55:56
